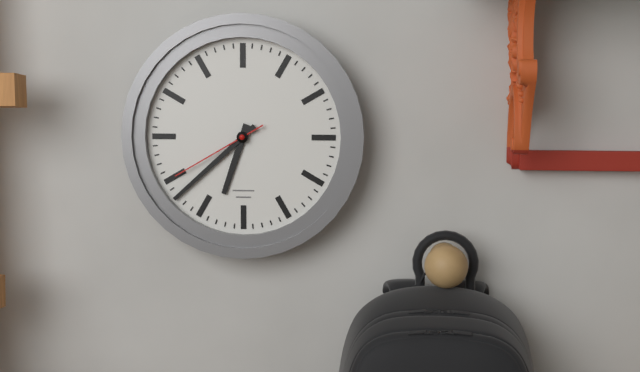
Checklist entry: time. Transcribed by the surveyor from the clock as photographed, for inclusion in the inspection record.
6:38:40
